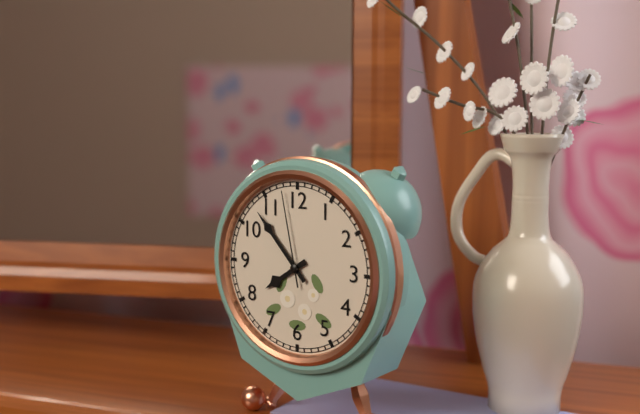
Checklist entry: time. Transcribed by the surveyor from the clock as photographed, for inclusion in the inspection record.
7:53:58
